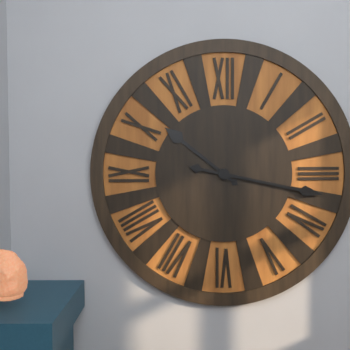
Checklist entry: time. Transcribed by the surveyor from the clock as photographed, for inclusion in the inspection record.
10:17
